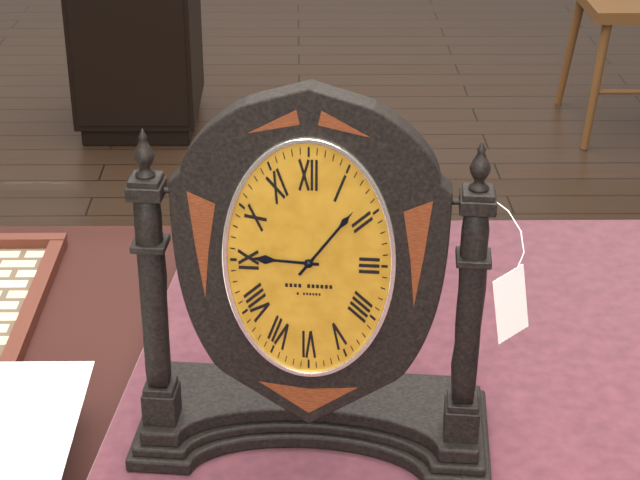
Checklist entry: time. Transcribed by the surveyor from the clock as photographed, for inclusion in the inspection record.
9:06
